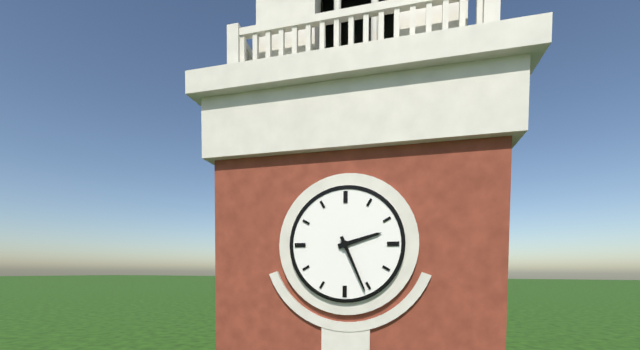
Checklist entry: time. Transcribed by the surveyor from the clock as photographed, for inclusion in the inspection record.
2:26
